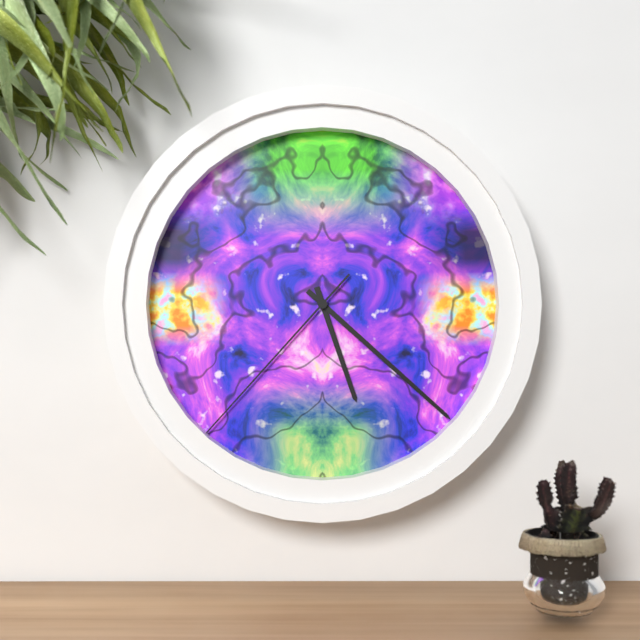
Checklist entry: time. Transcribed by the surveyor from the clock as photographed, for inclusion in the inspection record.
5:22:37
